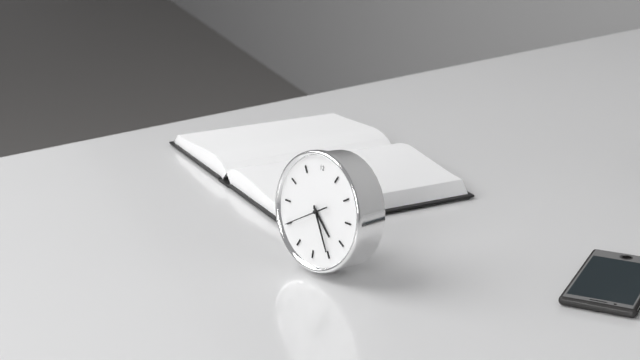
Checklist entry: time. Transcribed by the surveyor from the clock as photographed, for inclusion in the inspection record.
4:25
